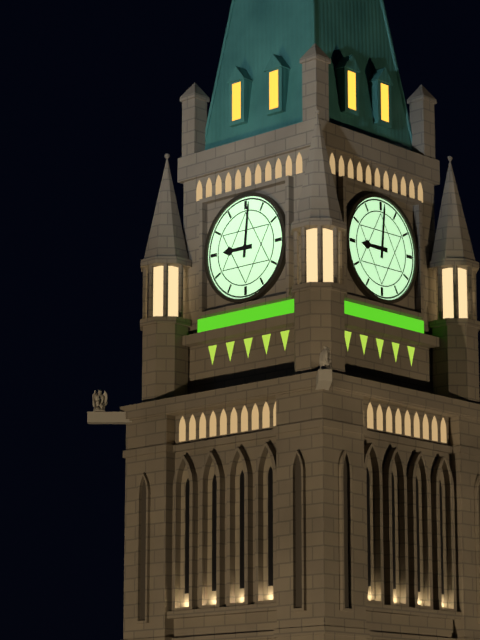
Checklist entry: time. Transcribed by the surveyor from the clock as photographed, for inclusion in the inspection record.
9:01
